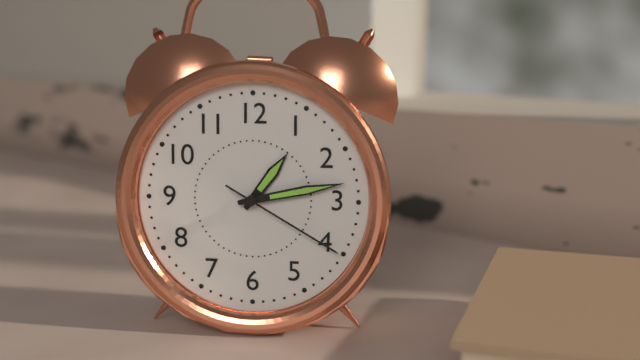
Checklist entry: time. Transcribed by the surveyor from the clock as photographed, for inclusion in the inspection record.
1:13:20
